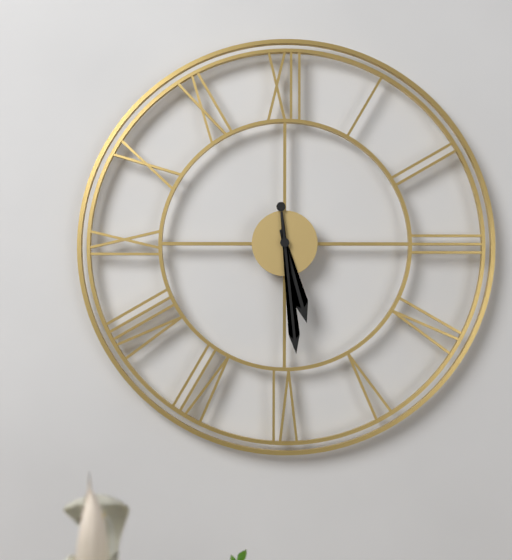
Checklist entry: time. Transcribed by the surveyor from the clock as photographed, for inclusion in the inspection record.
5:29
